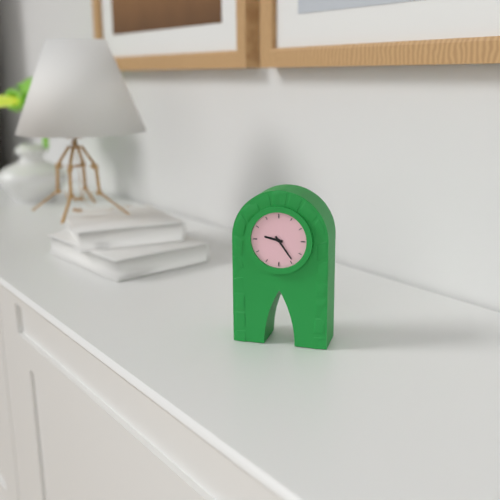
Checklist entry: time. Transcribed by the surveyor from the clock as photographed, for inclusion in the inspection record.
9:24
